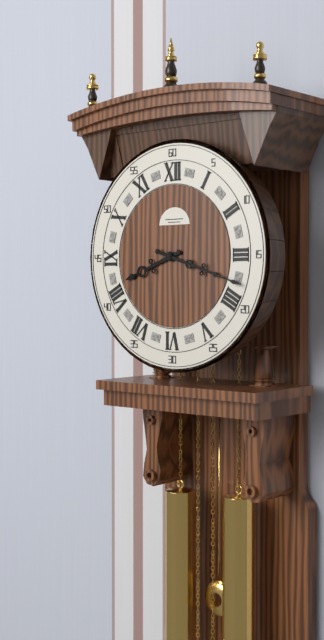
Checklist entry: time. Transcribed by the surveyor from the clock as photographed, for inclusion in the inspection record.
8:18
